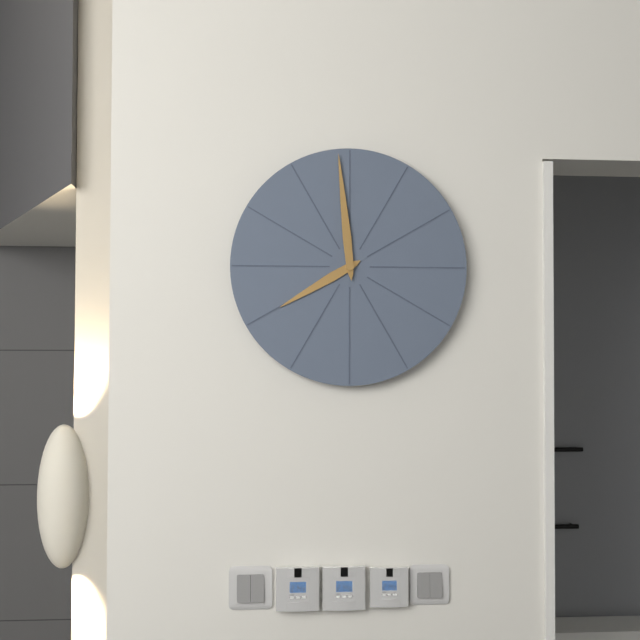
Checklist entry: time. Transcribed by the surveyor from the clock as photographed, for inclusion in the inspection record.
7:59
